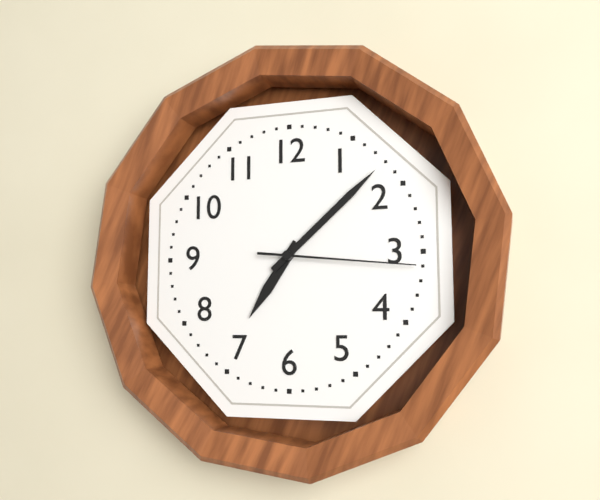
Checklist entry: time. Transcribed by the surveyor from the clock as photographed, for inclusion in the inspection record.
7:08:16
